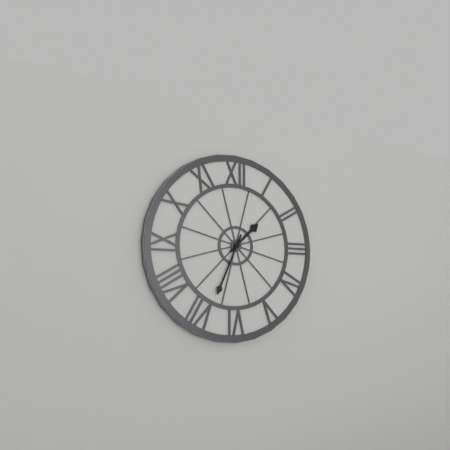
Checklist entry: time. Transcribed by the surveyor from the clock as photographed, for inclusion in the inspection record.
1:34
